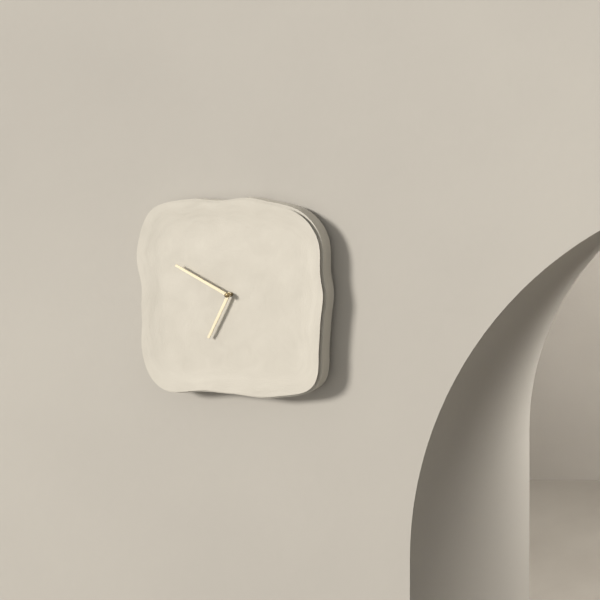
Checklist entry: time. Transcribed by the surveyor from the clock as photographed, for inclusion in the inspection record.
6:50
